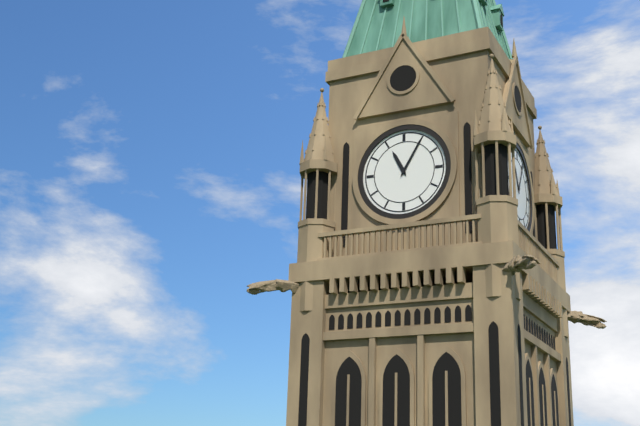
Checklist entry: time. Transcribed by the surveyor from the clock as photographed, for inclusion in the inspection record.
11:05
